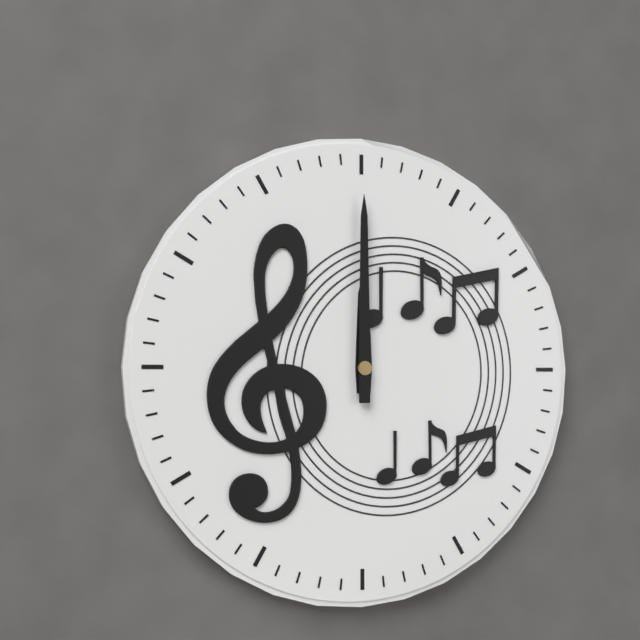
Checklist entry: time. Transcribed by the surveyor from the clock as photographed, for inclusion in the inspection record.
12:00
